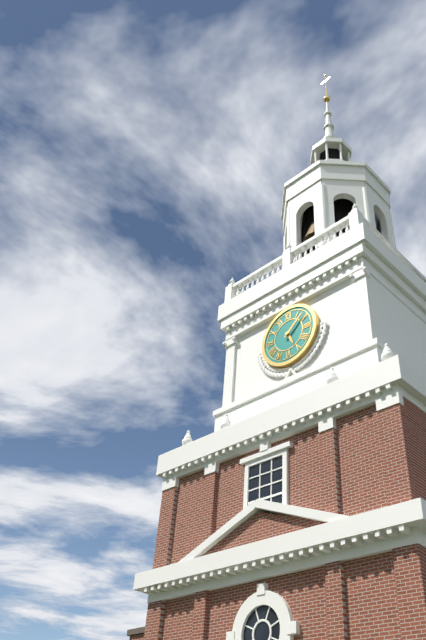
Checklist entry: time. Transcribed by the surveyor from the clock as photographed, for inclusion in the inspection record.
5:08
